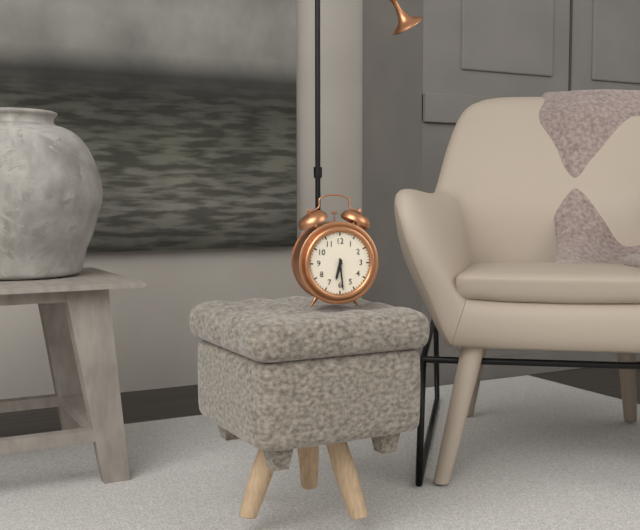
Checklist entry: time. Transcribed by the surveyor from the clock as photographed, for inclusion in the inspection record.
6:29
